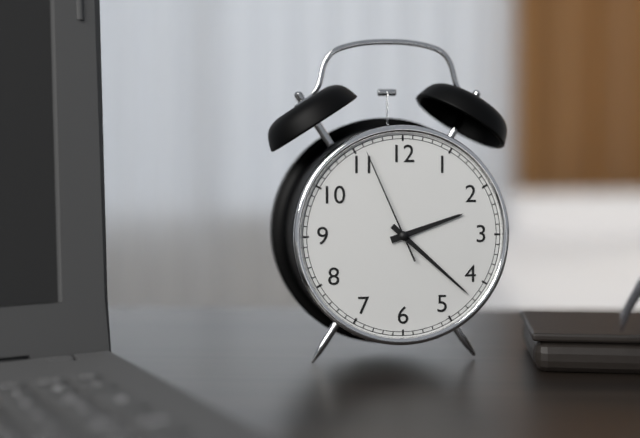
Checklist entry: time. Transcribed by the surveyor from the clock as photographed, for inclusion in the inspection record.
2:22:56
